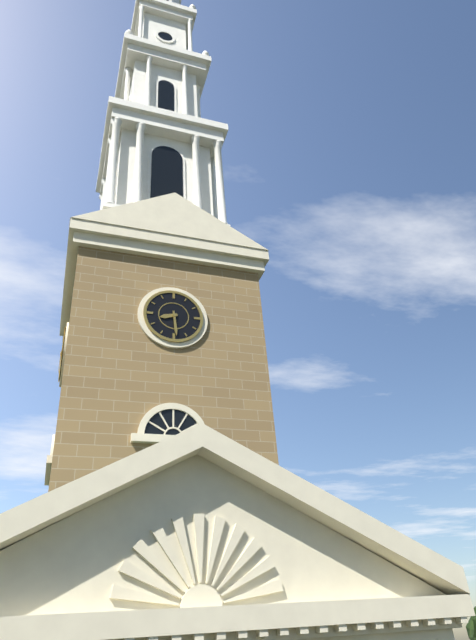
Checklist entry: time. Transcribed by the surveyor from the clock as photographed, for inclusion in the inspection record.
8:29
